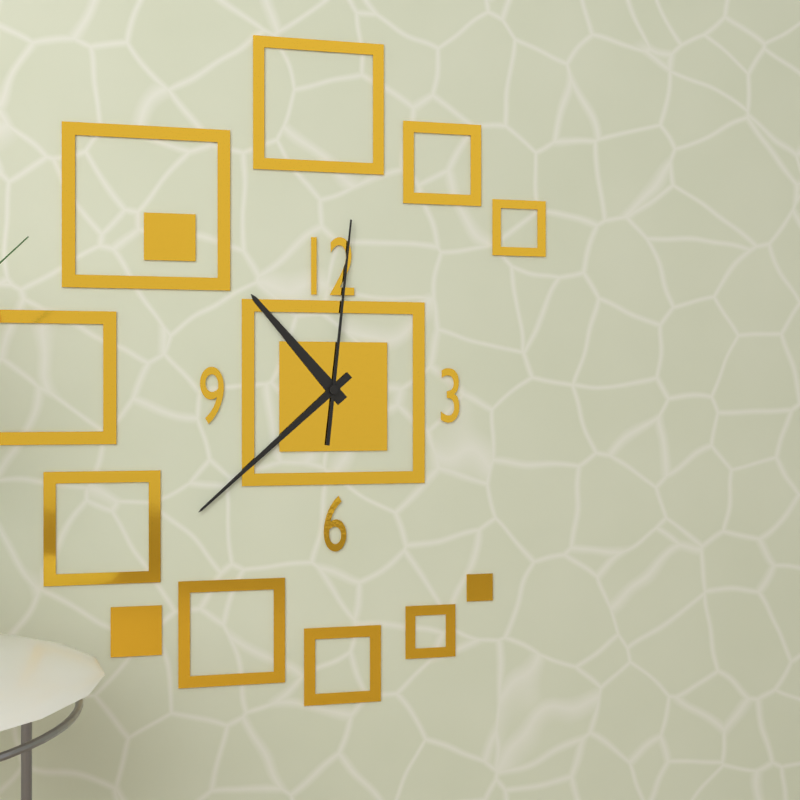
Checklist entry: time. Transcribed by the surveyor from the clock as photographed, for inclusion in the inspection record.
10:38:01
